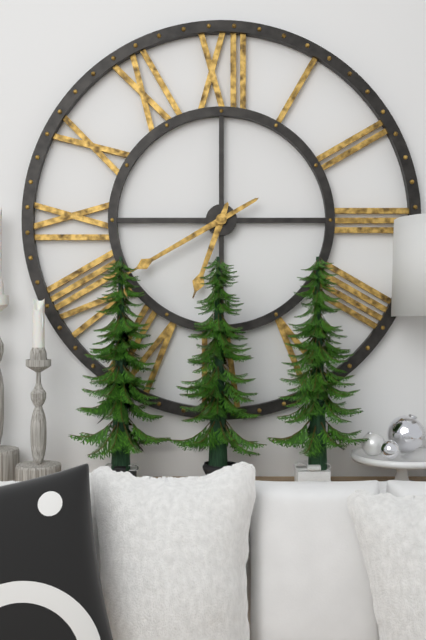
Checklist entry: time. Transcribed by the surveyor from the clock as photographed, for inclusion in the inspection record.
6:40
